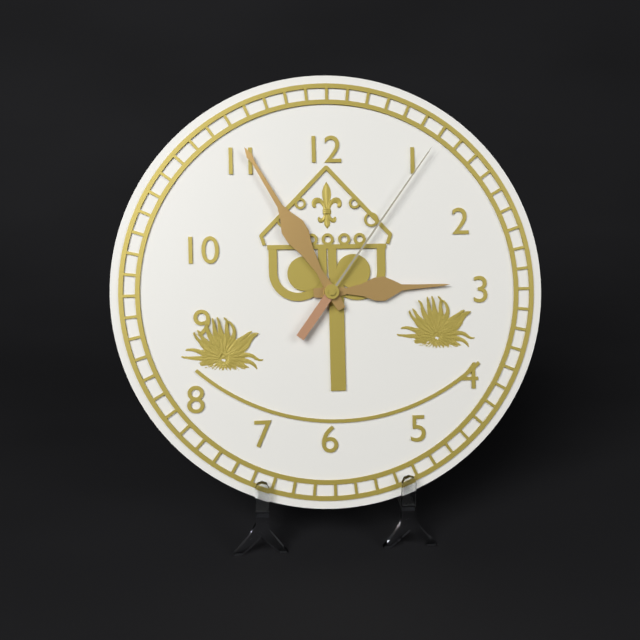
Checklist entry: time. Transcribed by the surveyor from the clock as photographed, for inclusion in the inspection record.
2:55:06
